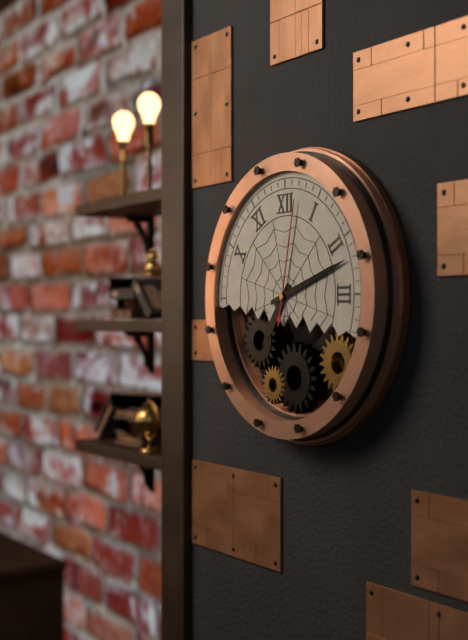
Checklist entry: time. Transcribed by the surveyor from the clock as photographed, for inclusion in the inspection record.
7:12:02
